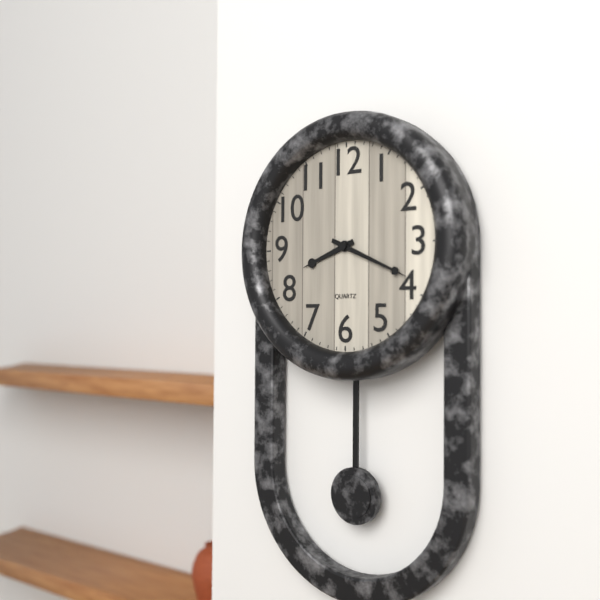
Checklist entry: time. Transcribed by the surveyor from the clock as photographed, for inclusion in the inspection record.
8:19
